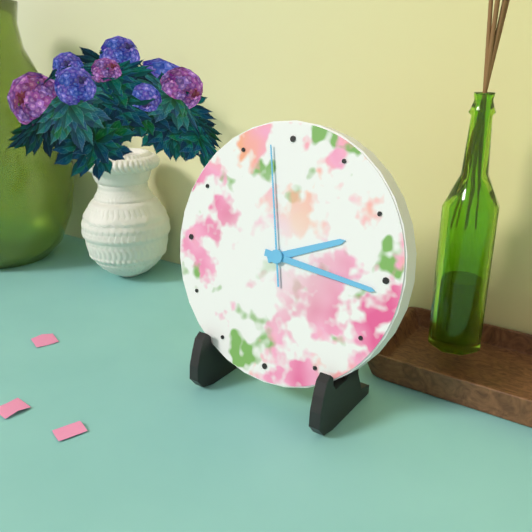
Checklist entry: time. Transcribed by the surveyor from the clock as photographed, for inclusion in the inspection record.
2:16:58
